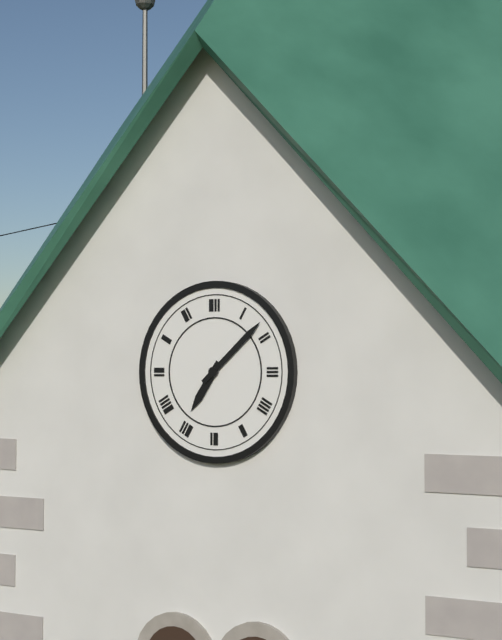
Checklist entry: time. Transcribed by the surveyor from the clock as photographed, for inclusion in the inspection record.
7:08
